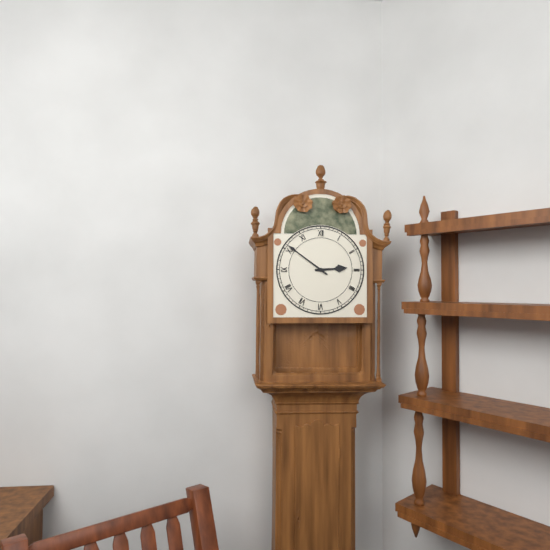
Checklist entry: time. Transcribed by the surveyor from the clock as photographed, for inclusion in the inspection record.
2:51
